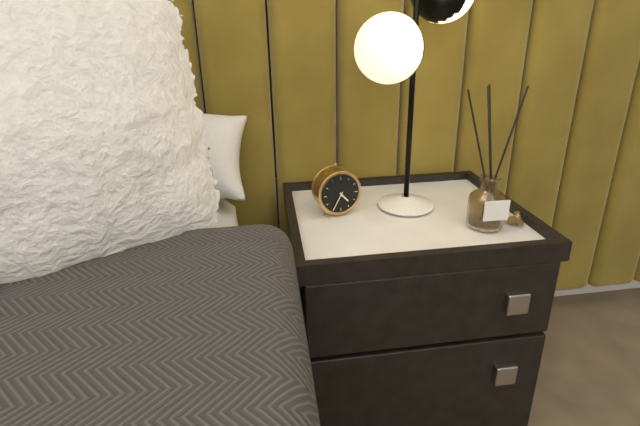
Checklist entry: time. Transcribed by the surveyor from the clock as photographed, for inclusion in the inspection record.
4:35
